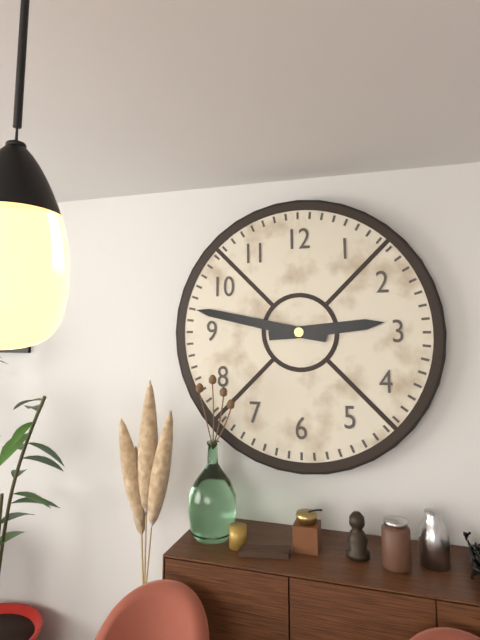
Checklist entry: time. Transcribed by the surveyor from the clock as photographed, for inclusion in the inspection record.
2:47
